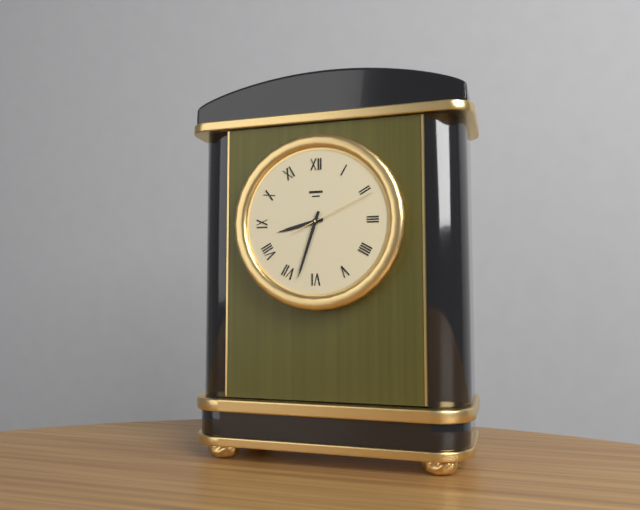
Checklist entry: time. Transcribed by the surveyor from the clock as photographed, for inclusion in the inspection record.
8:33:11
